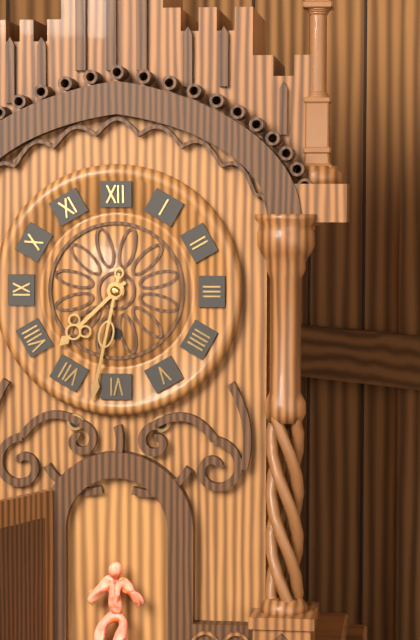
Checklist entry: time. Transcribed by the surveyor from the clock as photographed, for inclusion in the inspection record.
7:32
